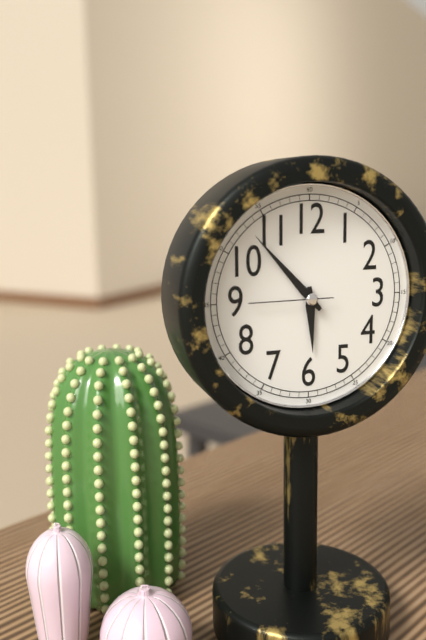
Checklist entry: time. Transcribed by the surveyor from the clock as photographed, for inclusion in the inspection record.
5:53:45
